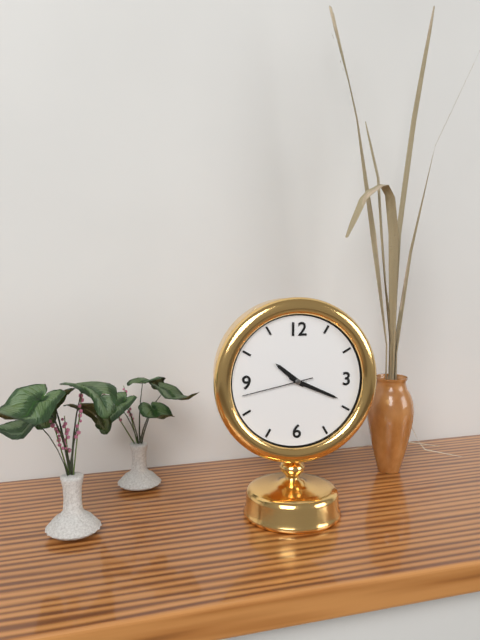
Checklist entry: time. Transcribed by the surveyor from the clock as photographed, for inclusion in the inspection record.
10:19:43
